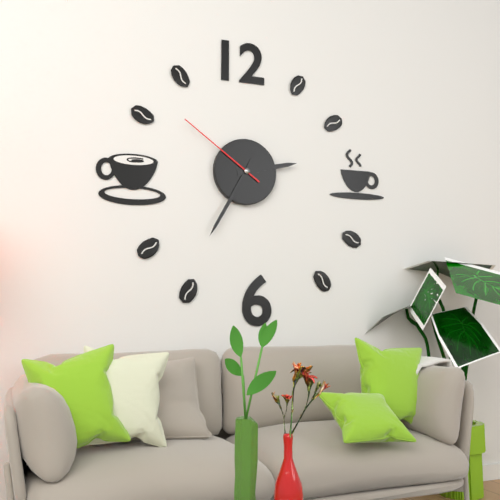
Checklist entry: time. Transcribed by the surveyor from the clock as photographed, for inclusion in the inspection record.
2:35:51
